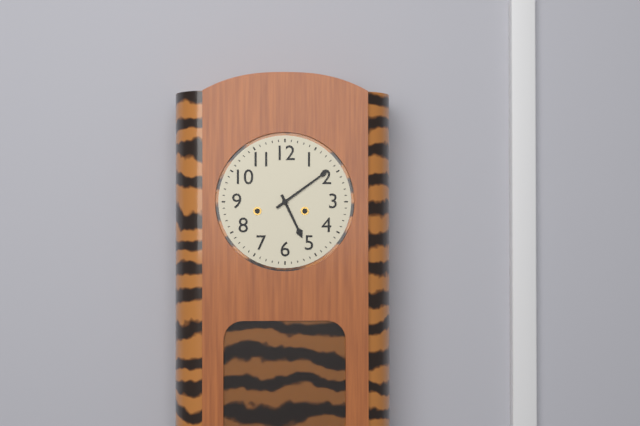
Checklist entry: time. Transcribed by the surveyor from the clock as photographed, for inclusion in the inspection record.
5:09
